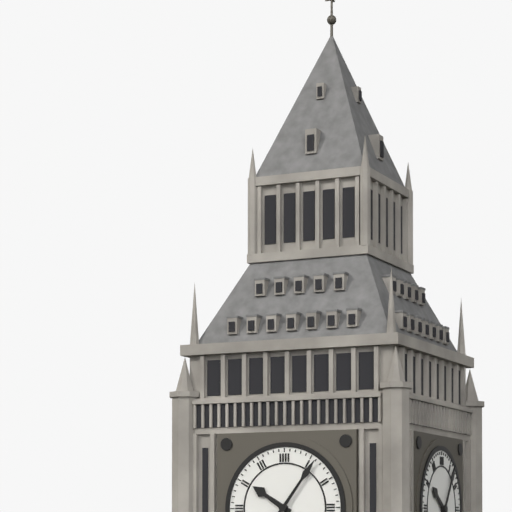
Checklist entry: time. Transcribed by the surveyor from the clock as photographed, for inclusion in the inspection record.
10:06
